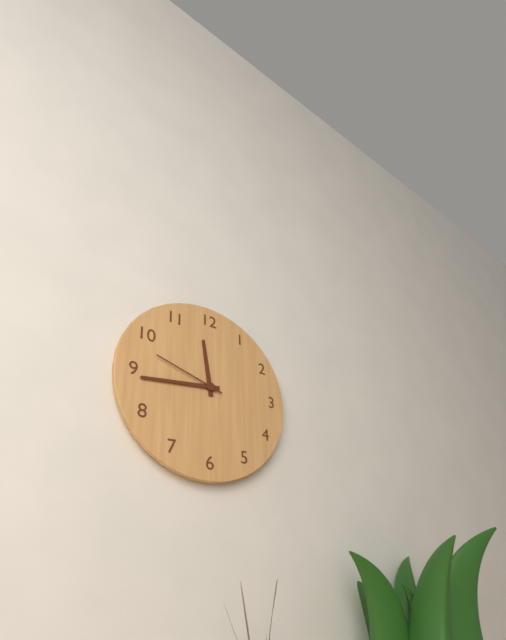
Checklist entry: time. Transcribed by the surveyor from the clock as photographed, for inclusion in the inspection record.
11:44:48
